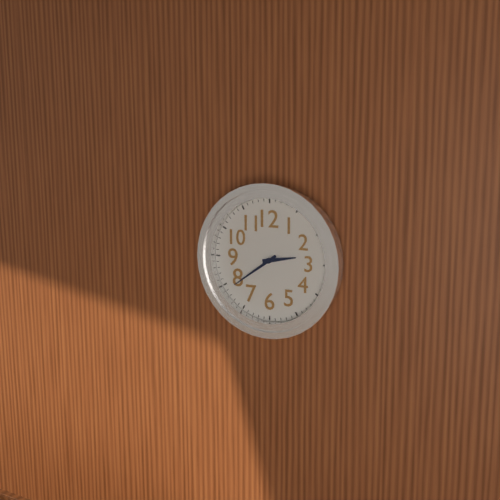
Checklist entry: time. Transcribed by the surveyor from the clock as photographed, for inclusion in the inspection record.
2:39
